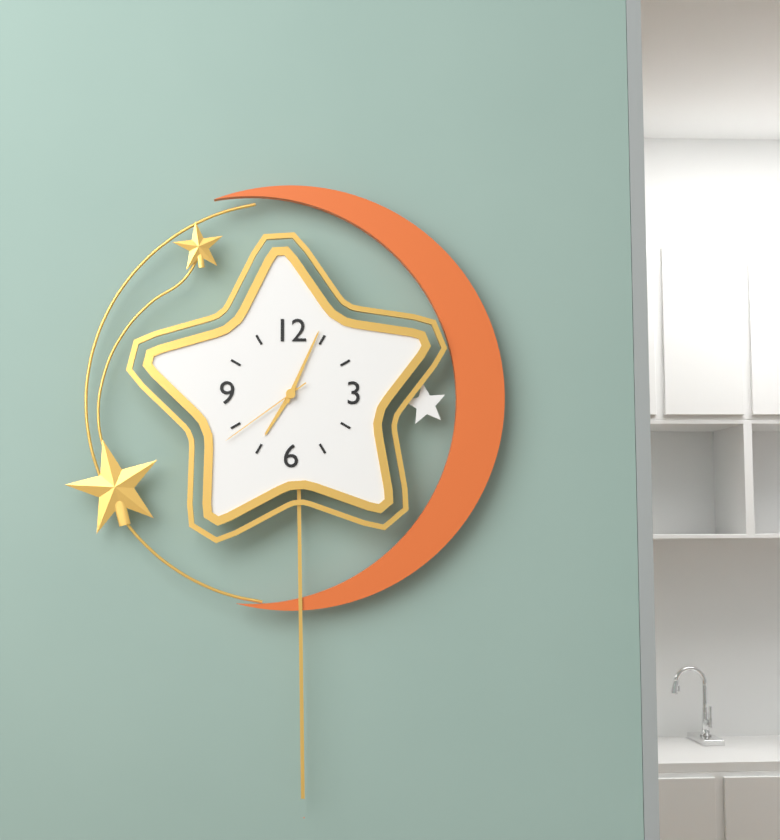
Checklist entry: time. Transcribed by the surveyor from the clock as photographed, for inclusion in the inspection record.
7:04:39
